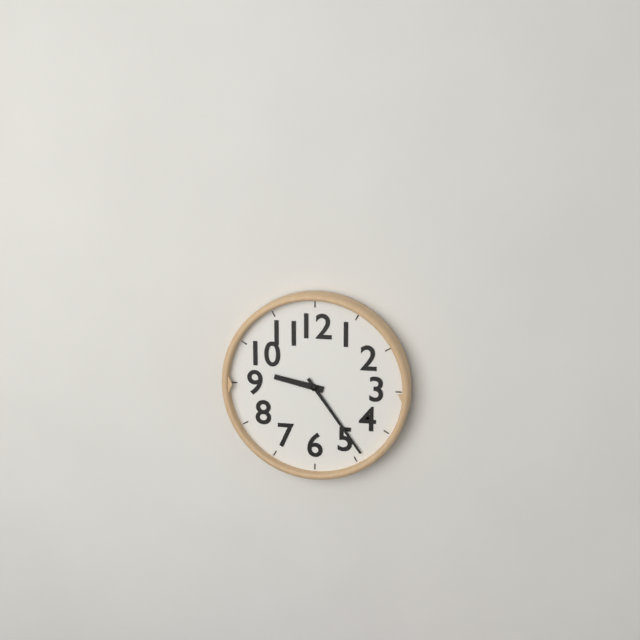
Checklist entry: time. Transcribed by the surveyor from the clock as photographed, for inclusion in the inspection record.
9:24
